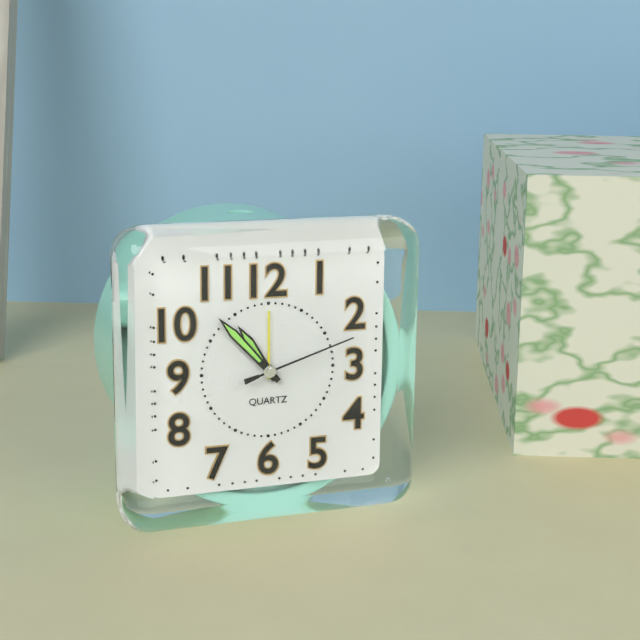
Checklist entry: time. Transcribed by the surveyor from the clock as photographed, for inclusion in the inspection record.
10:53:12
